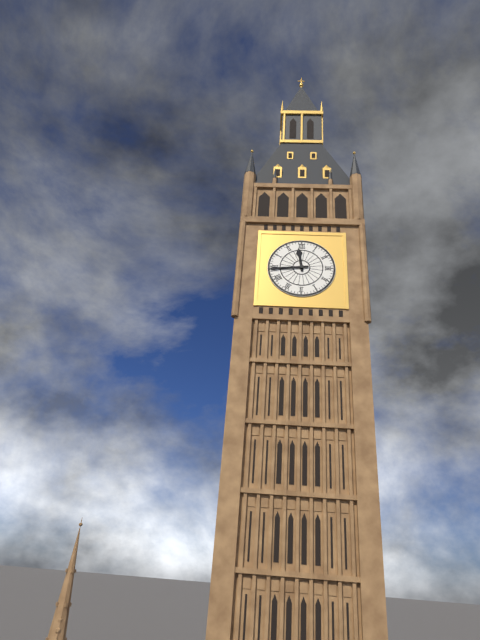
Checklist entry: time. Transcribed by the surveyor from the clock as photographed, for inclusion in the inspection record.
11:44
